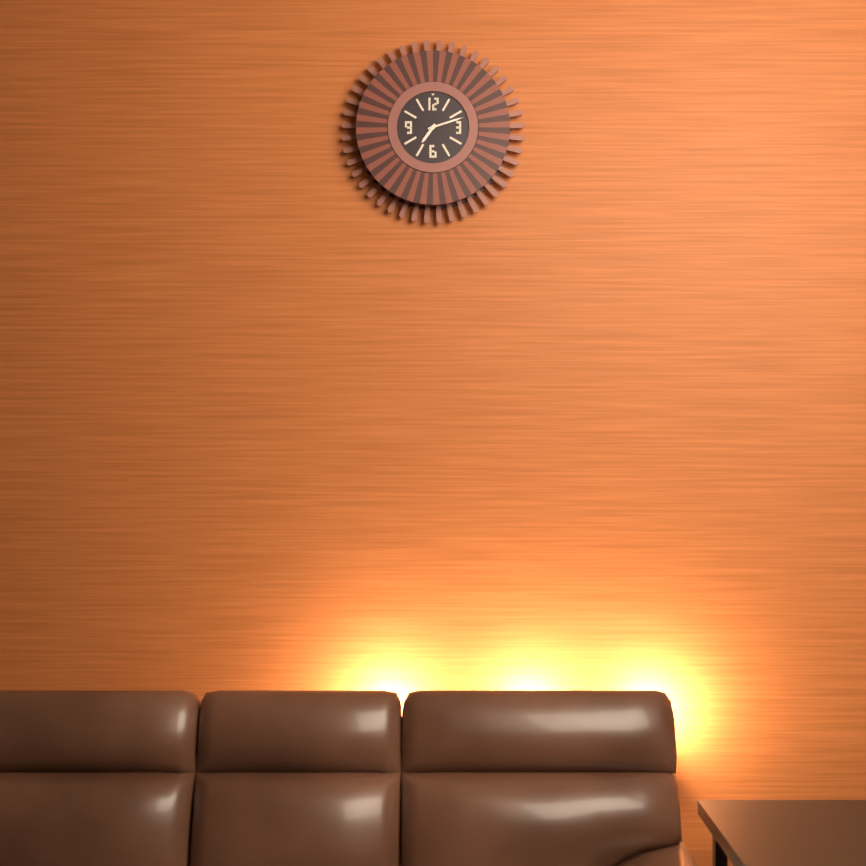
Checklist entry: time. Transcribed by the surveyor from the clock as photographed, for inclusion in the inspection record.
7:12
